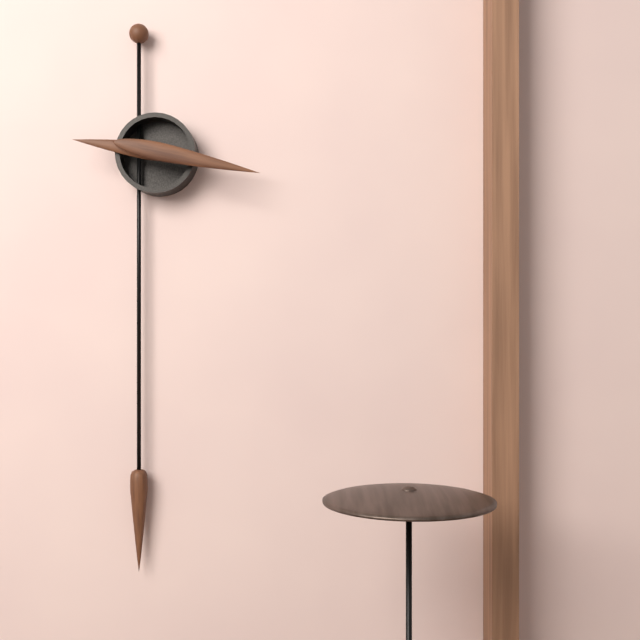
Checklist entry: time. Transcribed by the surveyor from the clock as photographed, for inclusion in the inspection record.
9:17
